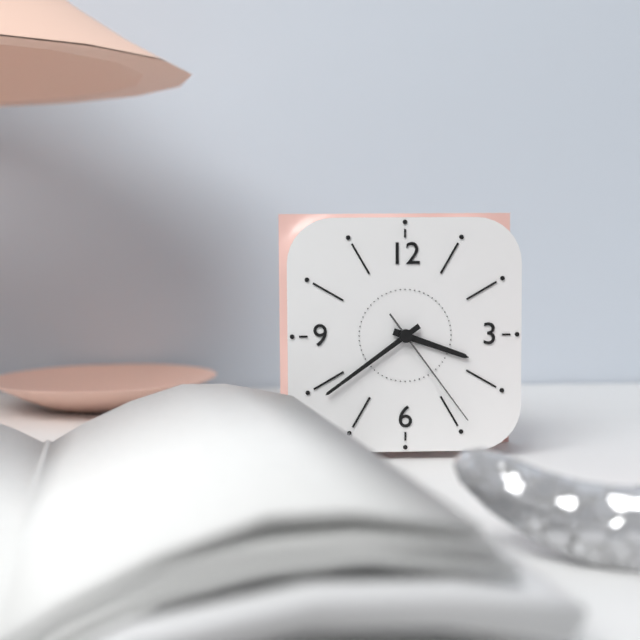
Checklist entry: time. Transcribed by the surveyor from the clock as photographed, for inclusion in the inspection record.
3:39:24
